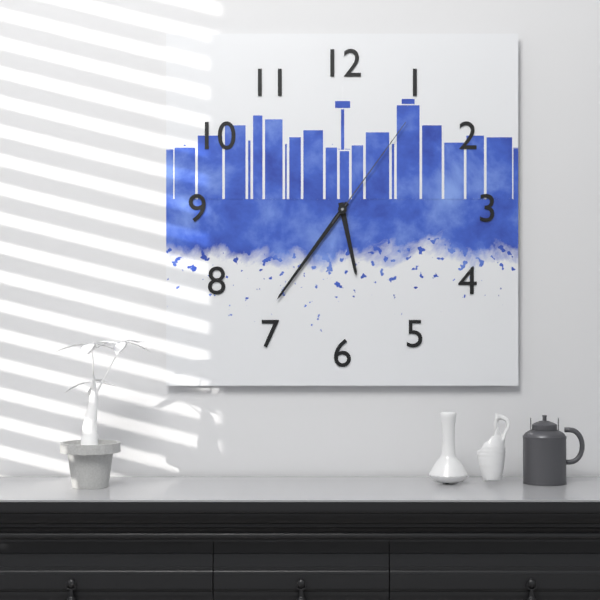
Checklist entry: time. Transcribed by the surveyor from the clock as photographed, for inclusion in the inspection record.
5:36:06
